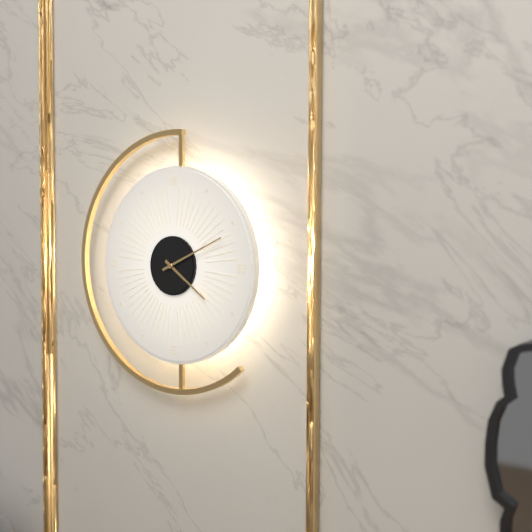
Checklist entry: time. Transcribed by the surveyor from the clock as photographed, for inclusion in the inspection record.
4:11
